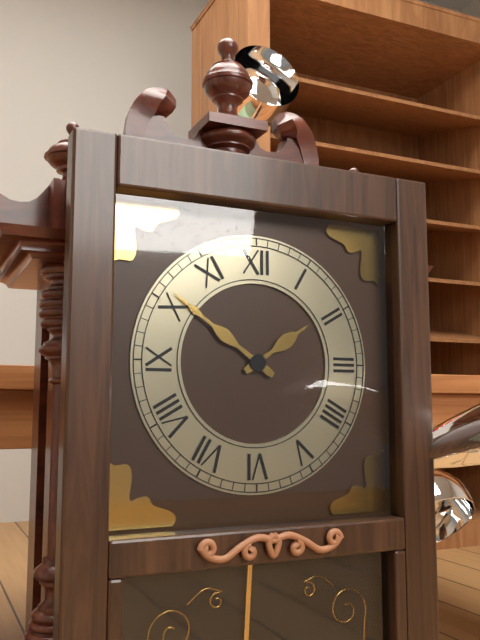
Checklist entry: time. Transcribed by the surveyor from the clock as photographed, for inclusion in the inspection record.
1:51
